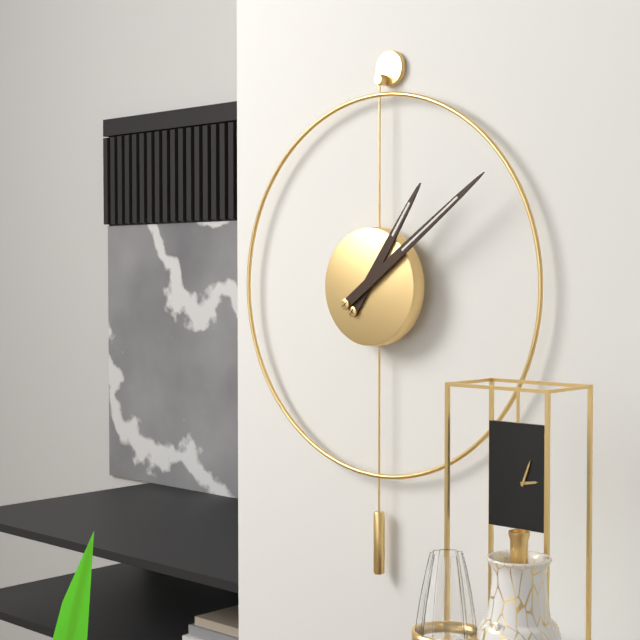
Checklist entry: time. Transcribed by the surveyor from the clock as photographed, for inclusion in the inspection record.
1:09
